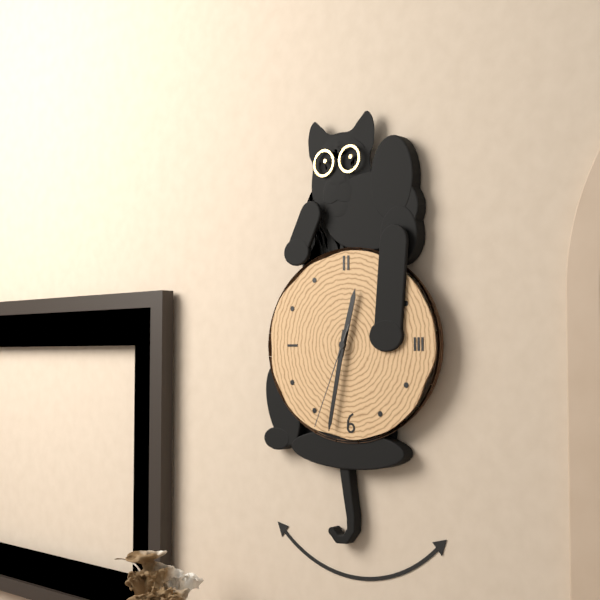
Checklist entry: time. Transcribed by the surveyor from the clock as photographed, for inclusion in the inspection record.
12:32:34
